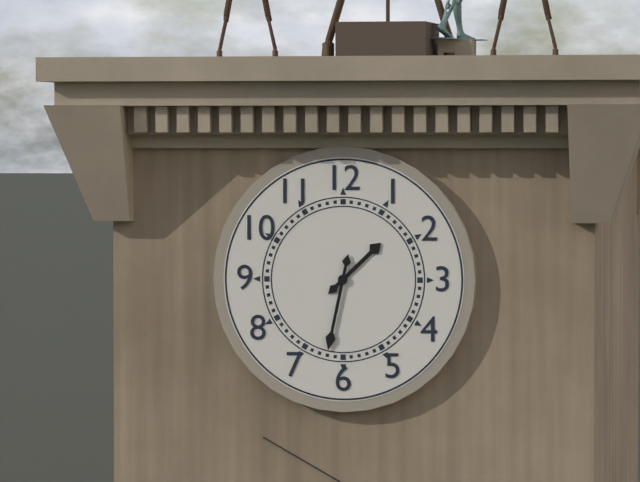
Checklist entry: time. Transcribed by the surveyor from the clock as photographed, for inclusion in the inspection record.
1:32
